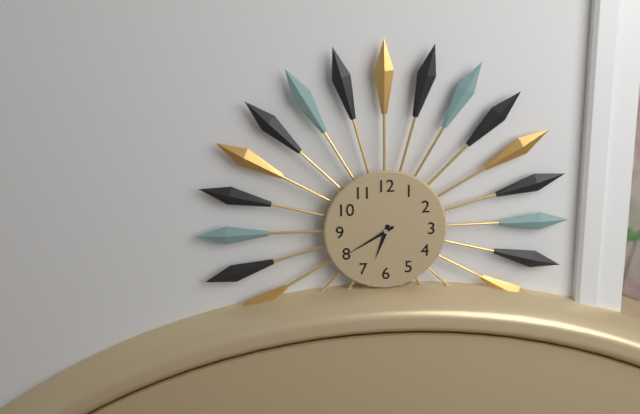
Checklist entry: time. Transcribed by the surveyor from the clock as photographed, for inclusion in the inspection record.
6:40
